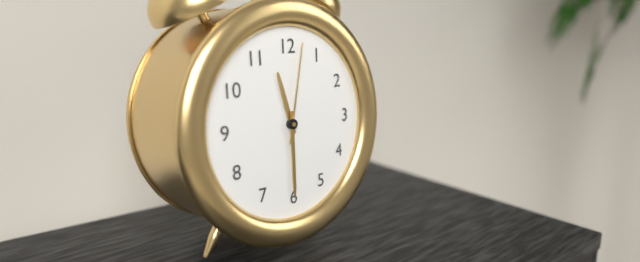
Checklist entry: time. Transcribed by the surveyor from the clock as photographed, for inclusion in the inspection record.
11:30:02
